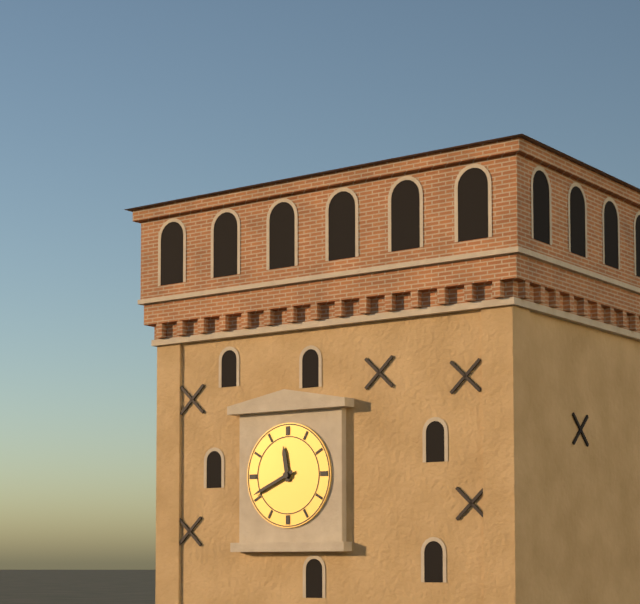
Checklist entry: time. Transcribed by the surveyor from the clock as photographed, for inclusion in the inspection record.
11:41
